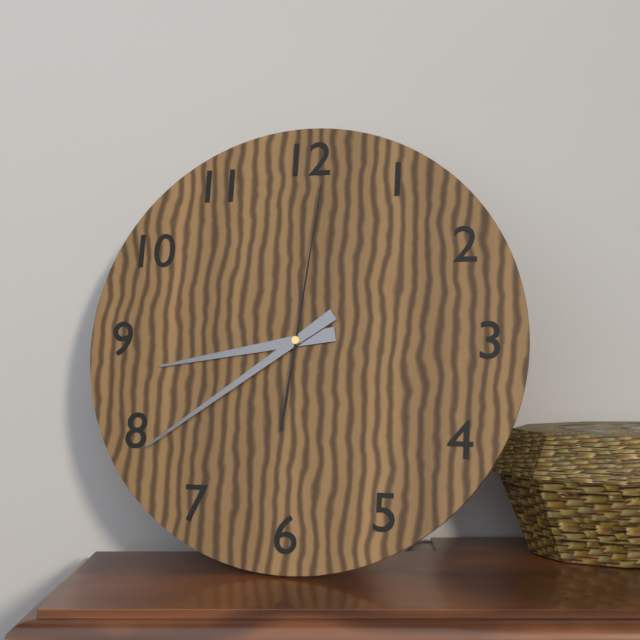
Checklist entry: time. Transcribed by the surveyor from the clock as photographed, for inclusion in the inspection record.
8:39:01
